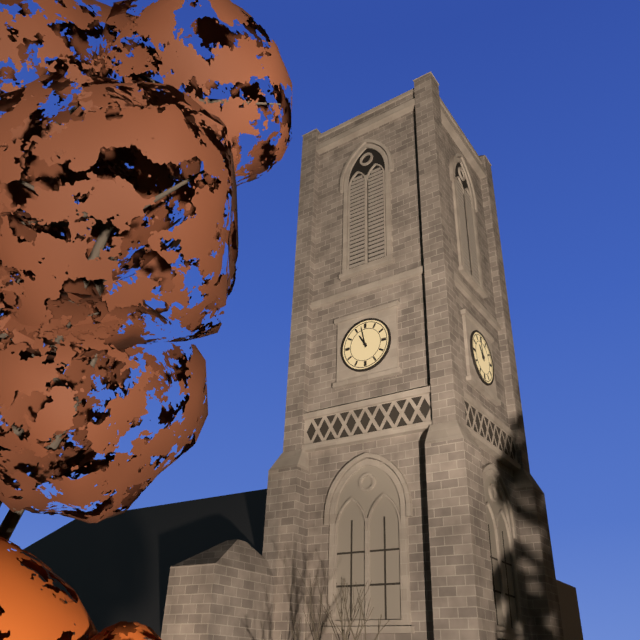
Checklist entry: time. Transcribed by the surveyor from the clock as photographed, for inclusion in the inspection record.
10:58
